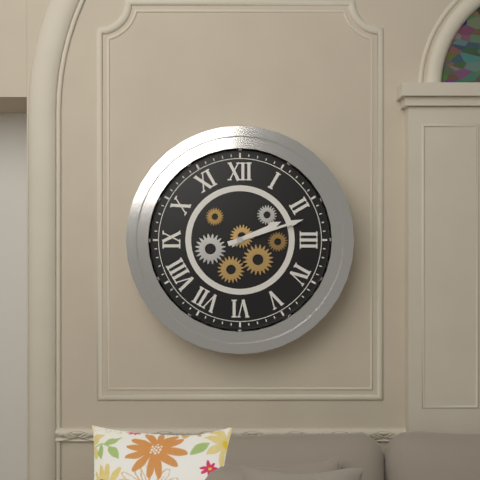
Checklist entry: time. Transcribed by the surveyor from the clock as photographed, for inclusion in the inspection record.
2:12
